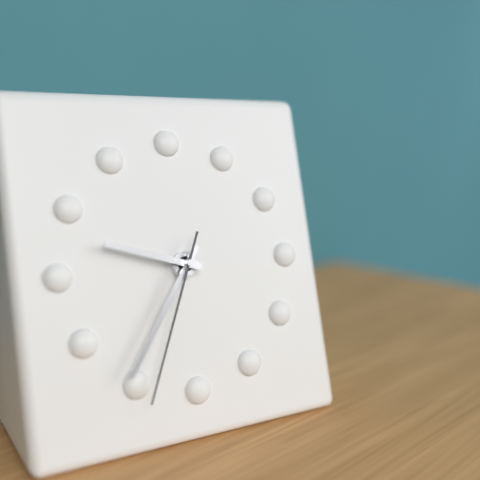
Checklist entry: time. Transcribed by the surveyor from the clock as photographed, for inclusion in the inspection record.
9:36:34
